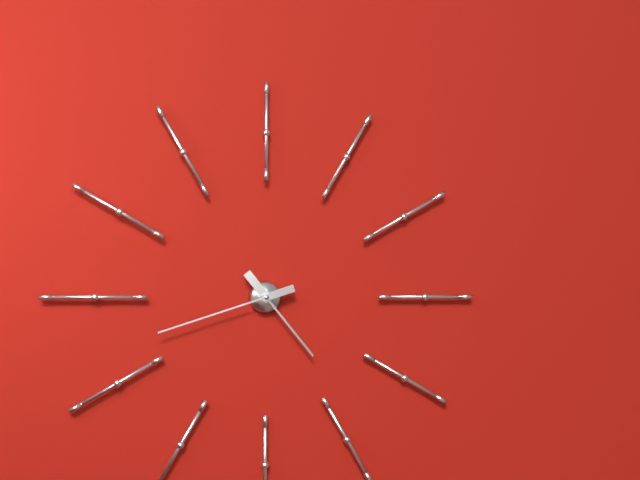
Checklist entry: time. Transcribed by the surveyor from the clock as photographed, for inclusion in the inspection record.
4:42
